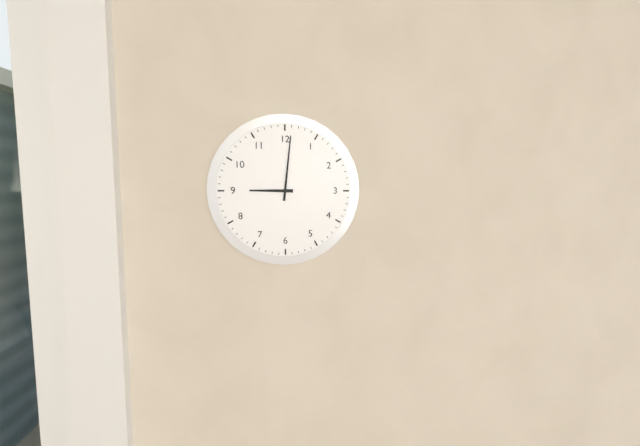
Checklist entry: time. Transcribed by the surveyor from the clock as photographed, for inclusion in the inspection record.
9:01
